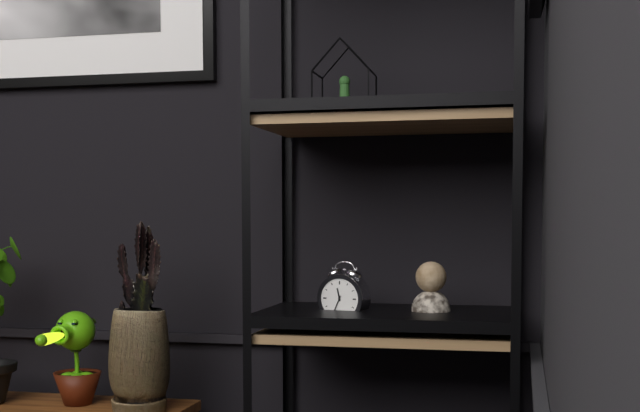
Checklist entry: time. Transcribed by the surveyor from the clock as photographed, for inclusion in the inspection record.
11:34
